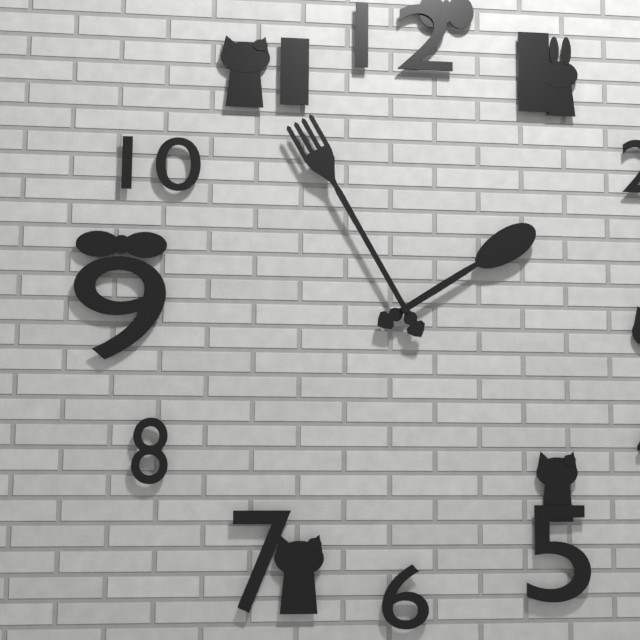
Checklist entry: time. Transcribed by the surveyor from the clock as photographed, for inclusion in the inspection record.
1:55
